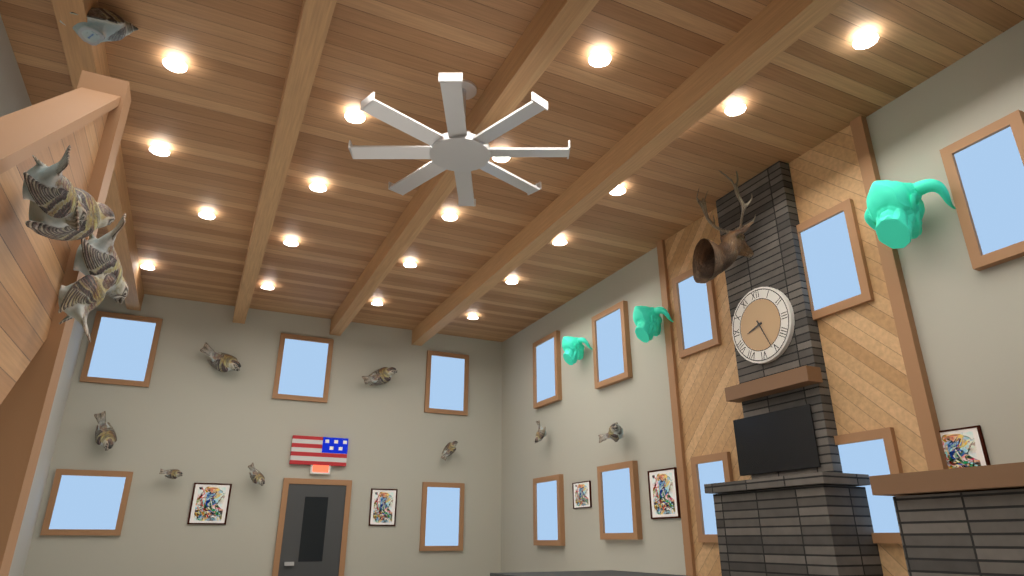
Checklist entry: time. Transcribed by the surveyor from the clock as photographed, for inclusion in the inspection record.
8:26
